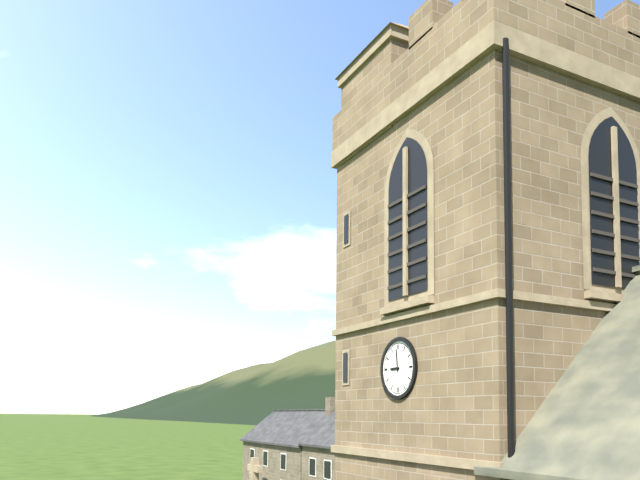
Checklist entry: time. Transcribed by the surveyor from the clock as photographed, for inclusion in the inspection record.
8:59
